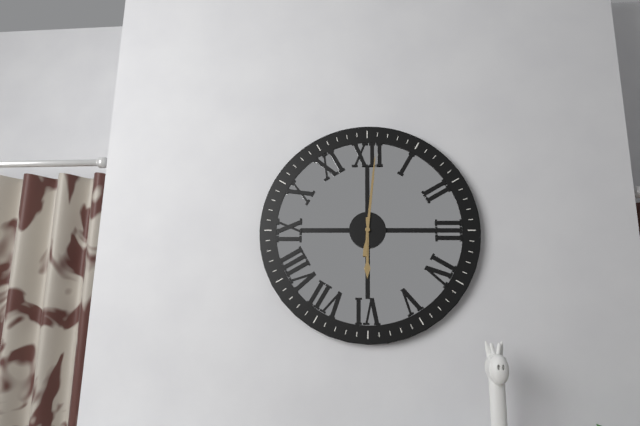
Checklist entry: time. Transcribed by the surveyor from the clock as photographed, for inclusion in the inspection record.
6:01
